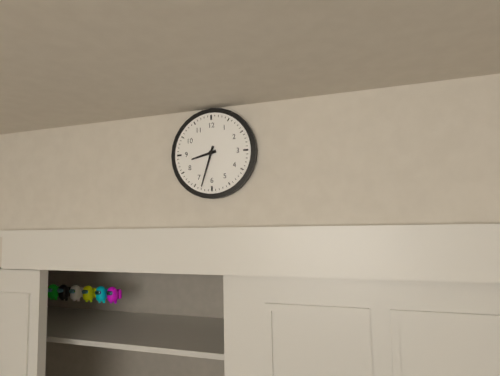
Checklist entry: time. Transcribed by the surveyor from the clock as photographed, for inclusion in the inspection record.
8:33
